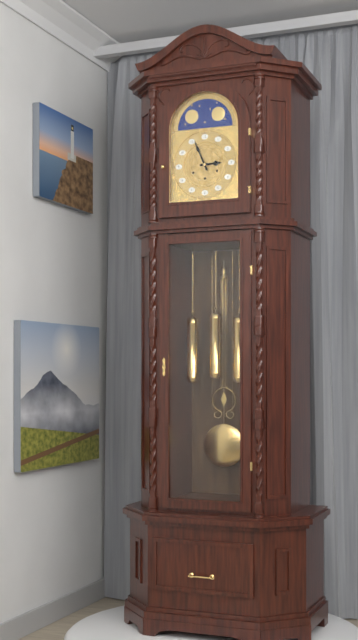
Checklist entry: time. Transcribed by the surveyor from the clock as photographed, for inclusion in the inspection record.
2:56
